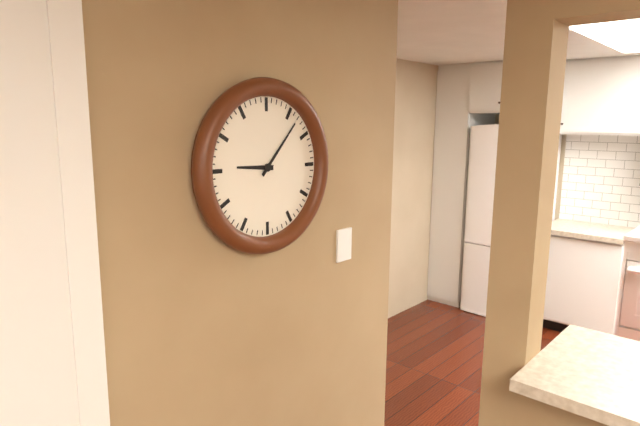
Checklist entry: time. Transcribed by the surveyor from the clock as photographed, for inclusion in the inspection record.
9:07
